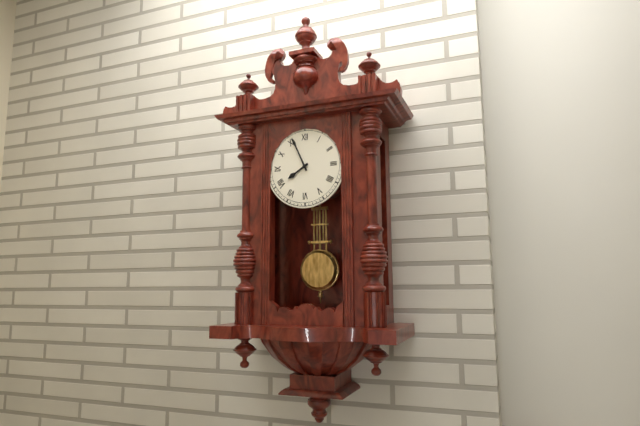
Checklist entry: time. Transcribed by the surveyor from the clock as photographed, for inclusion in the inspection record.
7:56
